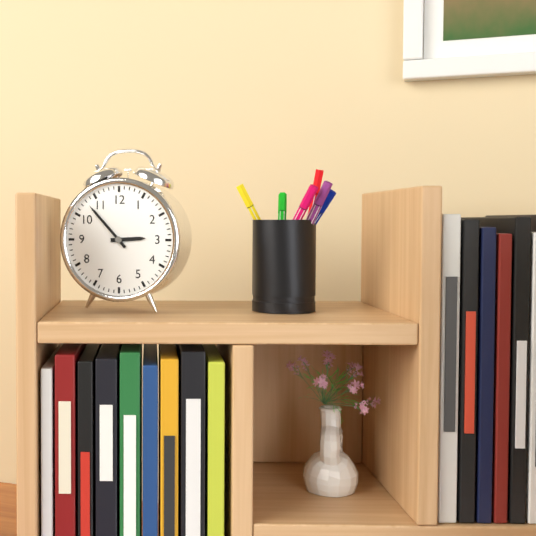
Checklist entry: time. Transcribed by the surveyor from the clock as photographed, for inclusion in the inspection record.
2:53
